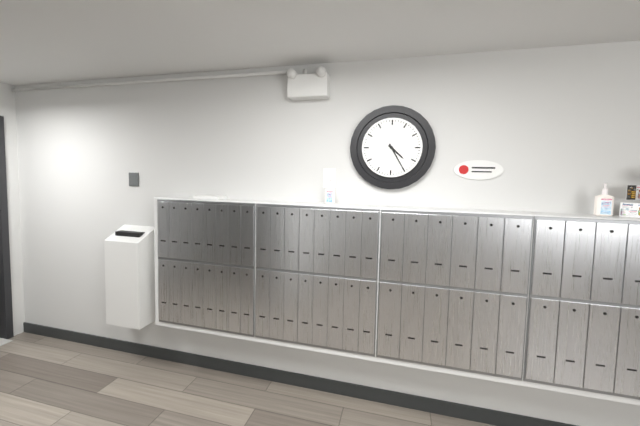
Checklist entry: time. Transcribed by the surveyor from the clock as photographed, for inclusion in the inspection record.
4:25
